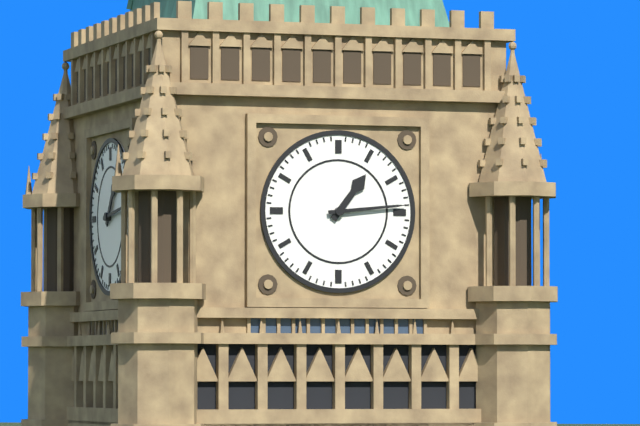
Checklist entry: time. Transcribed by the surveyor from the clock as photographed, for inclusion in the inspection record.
1:14
